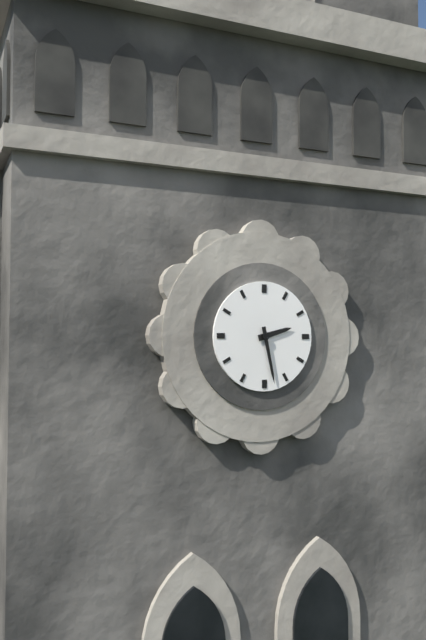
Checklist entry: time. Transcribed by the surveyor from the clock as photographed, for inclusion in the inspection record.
2:28
